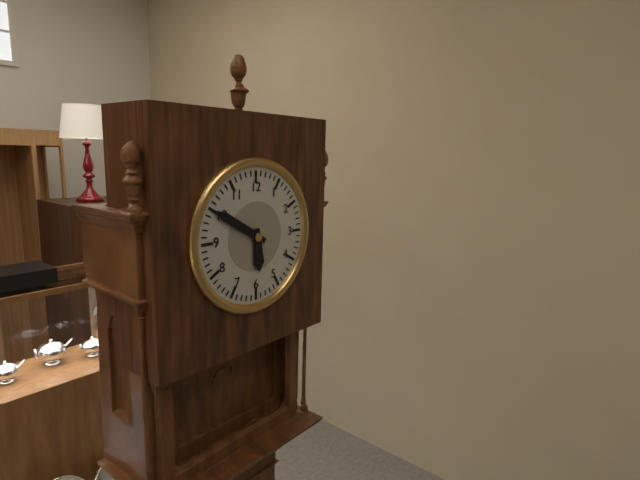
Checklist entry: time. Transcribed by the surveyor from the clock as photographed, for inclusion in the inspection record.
5:50
